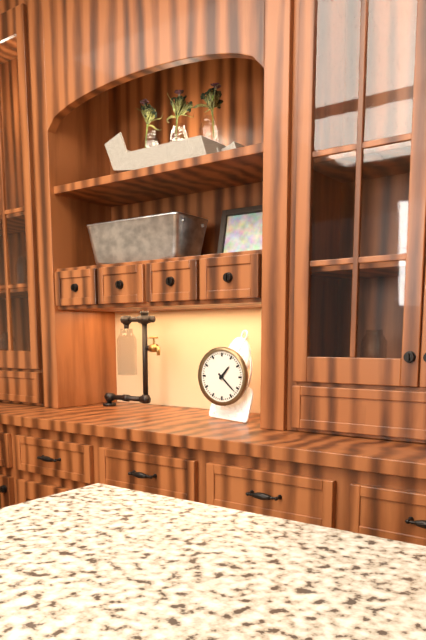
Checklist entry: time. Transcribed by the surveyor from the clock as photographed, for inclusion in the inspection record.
1:22
